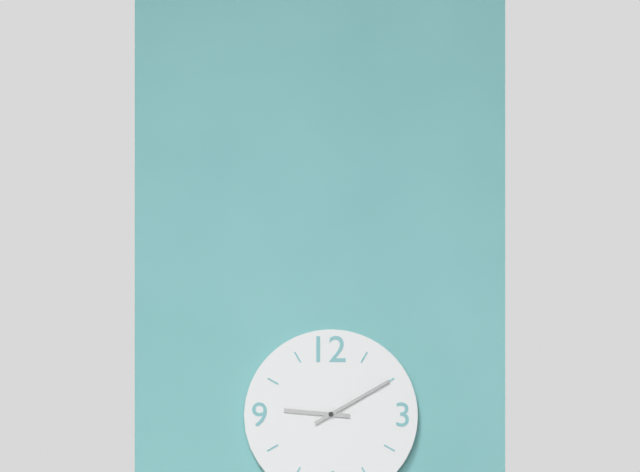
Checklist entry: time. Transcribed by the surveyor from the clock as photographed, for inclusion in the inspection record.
9:10
